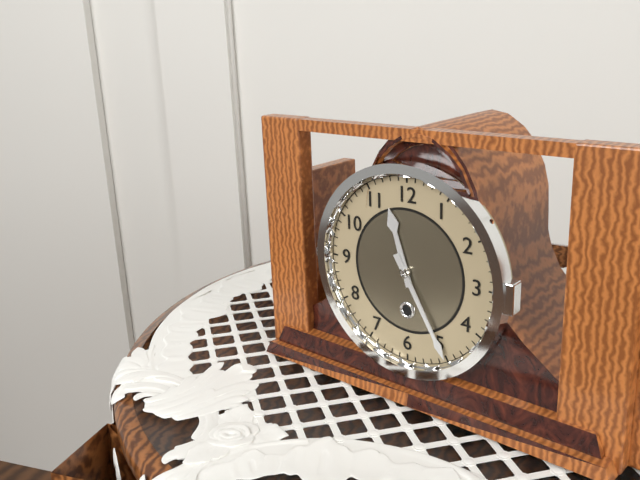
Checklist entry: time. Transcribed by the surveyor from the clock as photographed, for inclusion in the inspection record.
11:25
